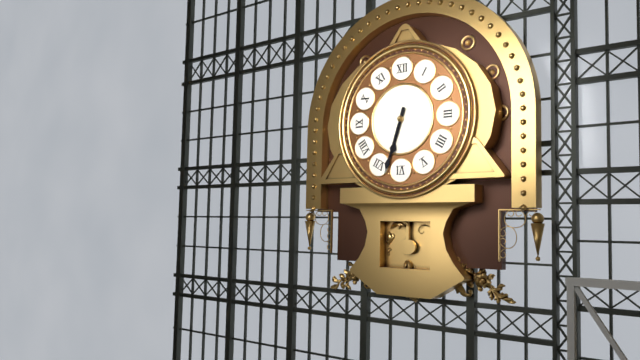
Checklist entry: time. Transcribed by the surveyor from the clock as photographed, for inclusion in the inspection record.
6:33
